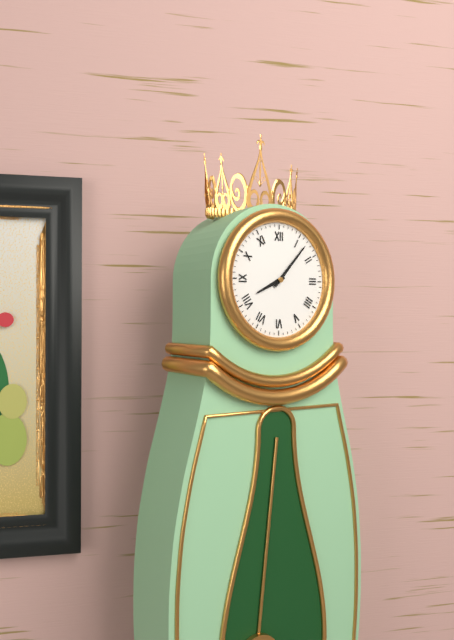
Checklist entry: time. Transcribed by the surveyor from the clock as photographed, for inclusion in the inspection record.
8:07
